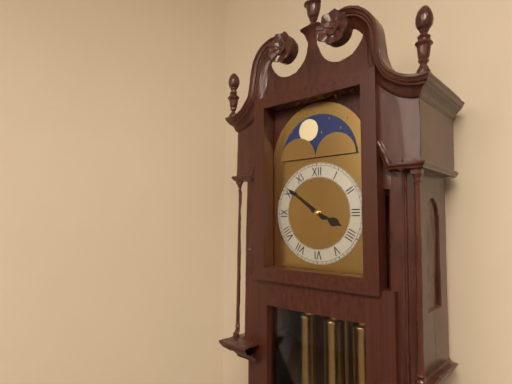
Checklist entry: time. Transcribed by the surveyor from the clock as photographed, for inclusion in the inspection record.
3:51
